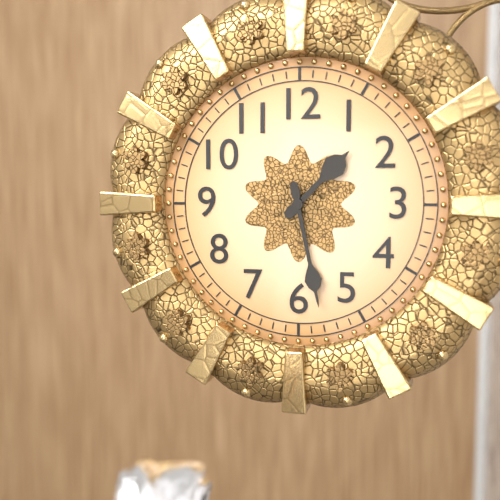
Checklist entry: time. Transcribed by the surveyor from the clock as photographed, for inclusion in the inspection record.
1:28
